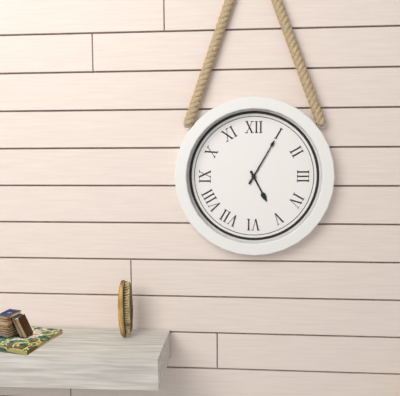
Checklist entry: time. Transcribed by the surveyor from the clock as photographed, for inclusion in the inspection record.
5:05
